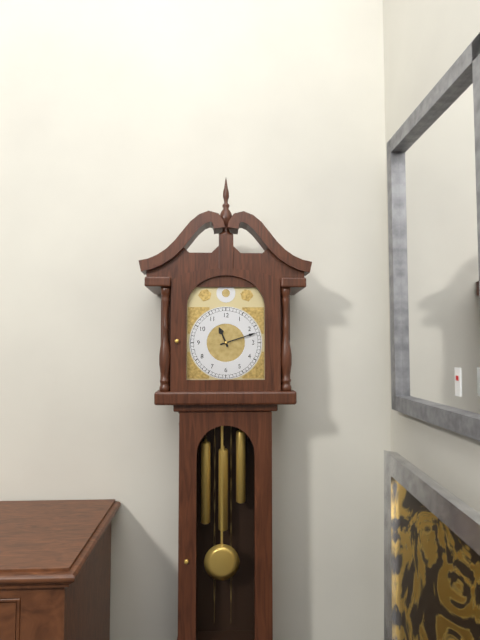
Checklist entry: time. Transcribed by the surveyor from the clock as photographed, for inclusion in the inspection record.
11:12
